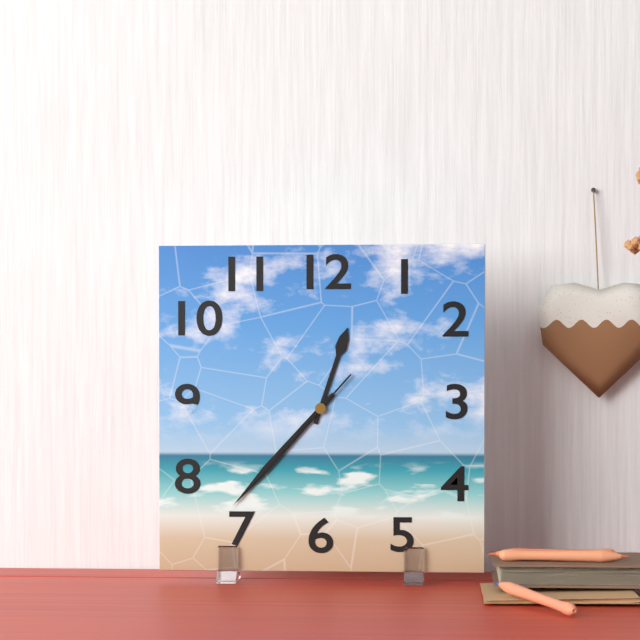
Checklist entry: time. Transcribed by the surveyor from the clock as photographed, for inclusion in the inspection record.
12:37:37
